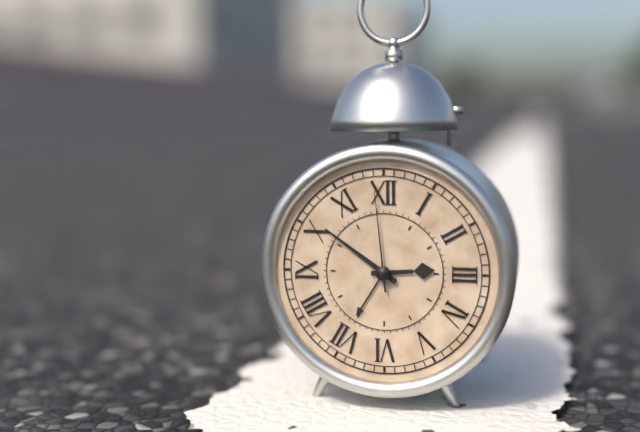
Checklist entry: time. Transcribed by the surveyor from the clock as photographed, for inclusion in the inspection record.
2:51:59
